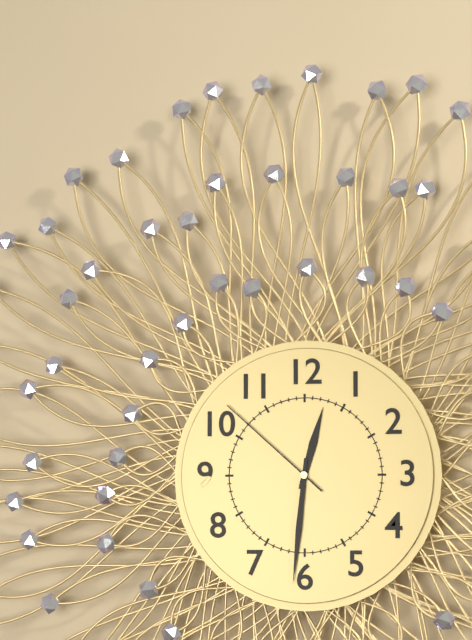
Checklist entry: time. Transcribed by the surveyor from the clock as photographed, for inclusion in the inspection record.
12:31:52
